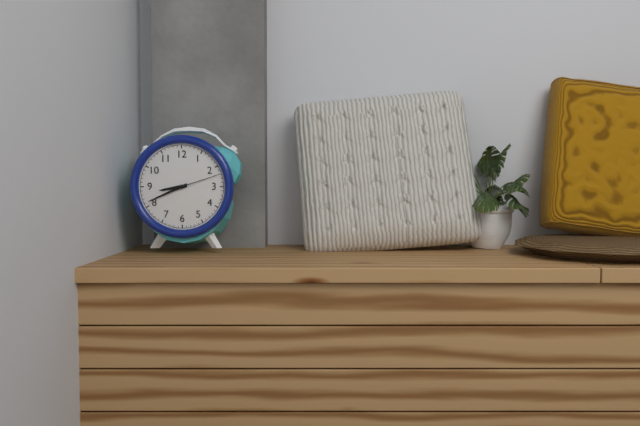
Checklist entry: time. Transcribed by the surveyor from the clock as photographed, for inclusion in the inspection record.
8:41
